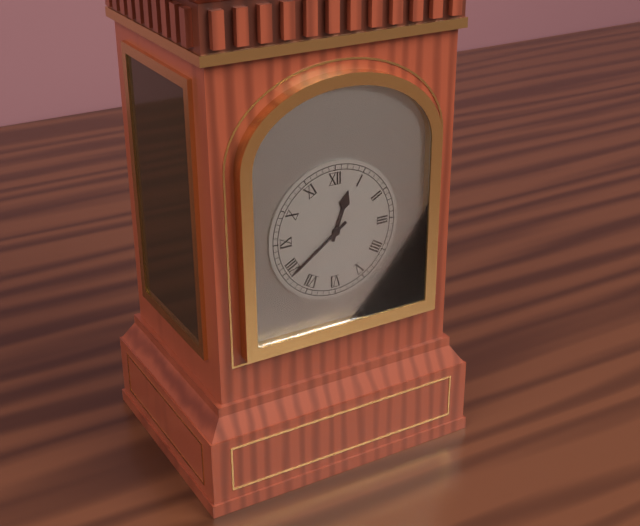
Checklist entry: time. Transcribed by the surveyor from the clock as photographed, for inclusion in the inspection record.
12:39
